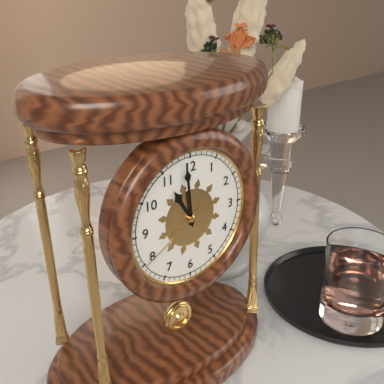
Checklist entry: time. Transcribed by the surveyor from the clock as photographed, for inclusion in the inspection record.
10:59:40
